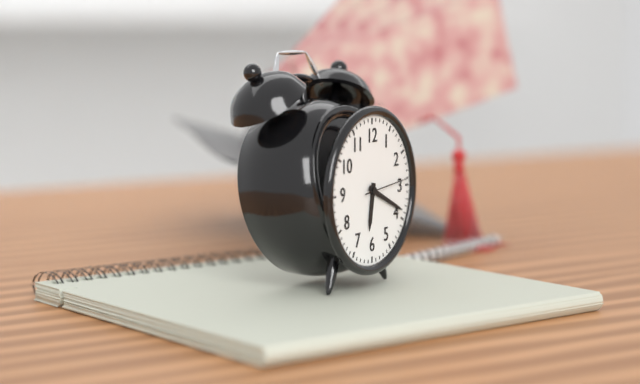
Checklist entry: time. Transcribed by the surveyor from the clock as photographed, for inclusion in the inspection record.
6:19
